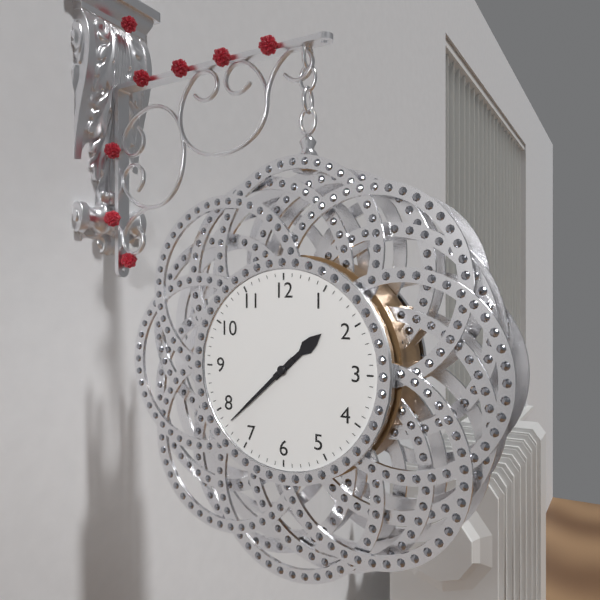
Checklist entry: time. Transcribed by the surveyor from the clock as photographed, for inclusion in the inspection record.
1:38
